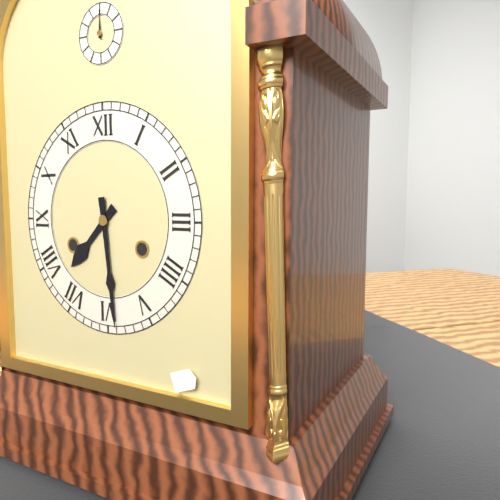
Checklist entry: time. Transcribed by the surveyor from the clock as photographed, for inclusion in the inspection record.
7:29
